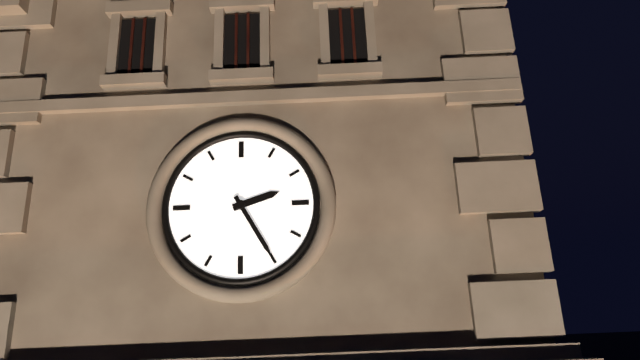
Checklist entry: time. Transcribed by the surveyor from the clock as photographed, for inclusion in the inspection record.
2:25
